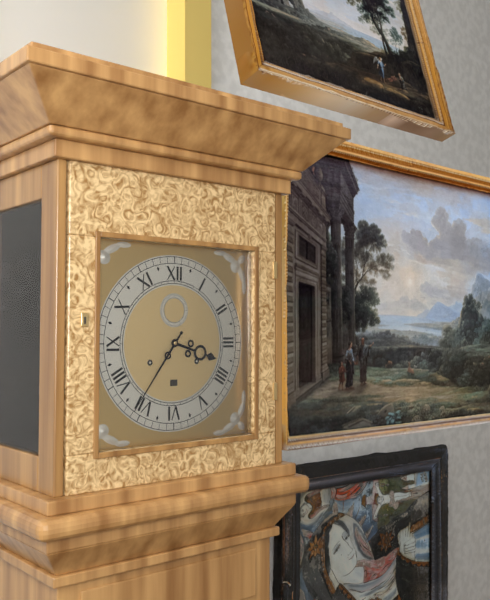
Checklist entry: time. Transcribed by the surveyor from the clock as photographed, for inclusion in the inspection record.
3:36
